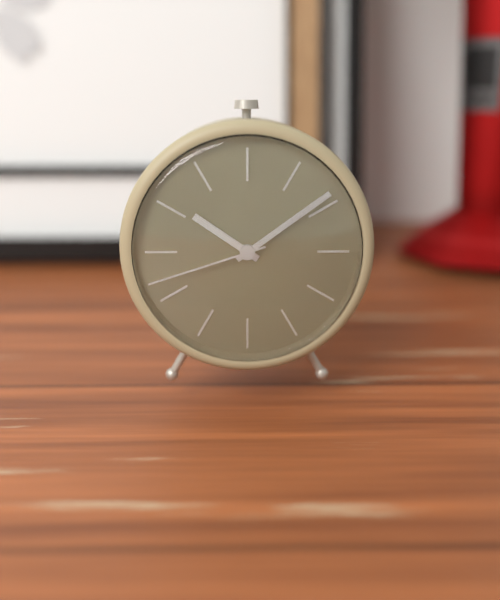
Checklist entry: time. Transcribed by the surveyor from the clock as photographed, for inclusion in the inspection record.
10:09:42
